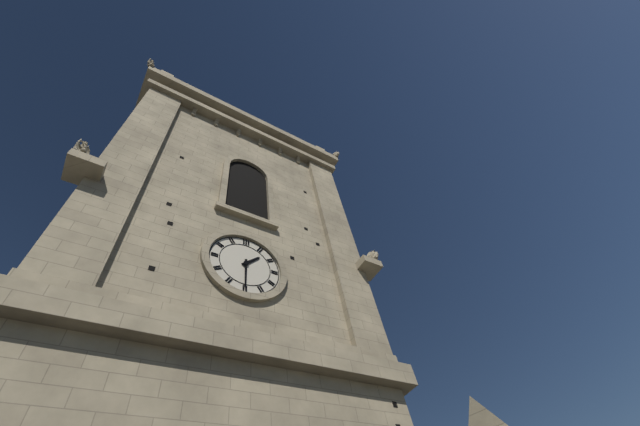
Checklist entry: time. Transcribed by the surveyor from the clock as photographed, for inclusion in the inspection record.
1:30
